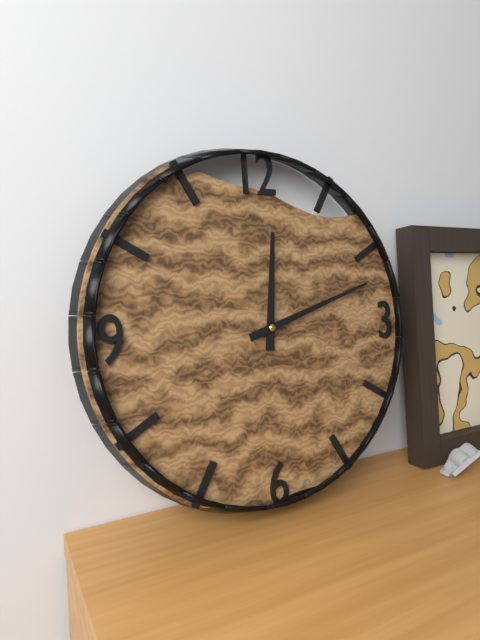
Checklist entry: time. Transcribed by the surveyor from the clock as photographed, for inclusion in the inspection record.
12:12
